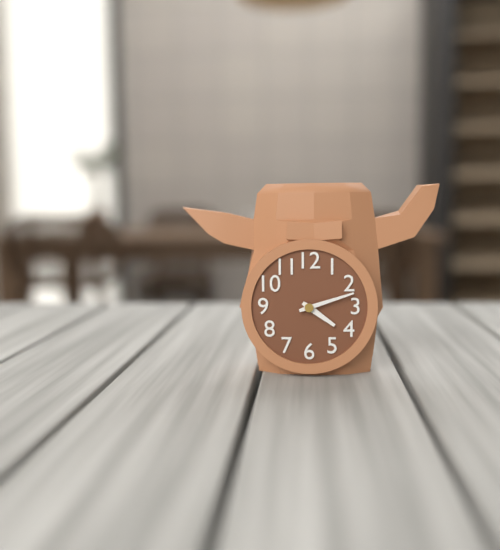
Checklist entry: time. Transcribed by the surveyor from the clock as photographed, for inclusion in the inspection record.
4:12
